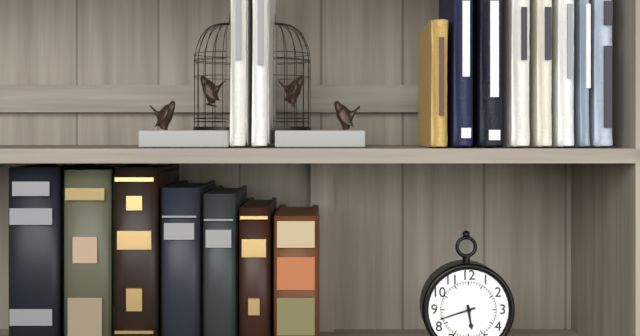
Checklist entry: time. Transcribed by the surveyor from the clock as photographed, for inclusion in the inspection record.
5:42
